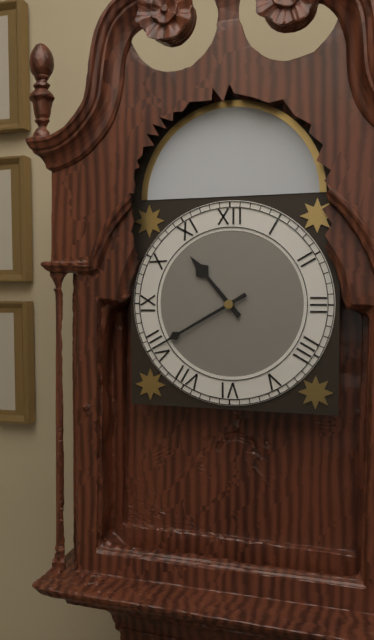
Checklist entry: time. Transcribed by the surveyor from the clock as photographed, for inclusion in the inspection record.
10:40
